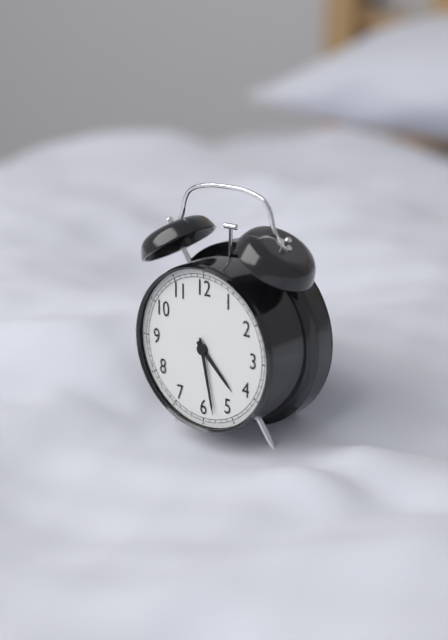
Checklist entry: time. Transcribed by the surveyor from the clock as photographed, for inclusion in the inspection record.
4:28
